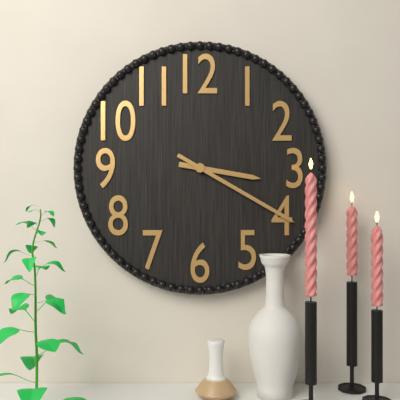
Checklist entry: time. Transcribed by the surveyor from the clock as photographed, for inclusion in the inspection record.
3:20
